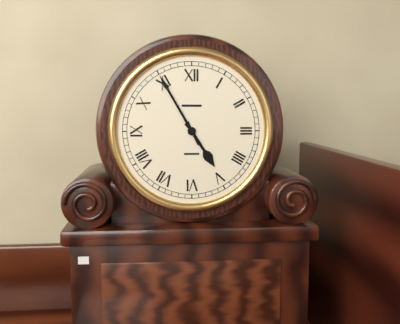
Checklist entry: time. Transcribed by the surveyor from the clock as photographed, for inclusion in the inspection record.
4:55
